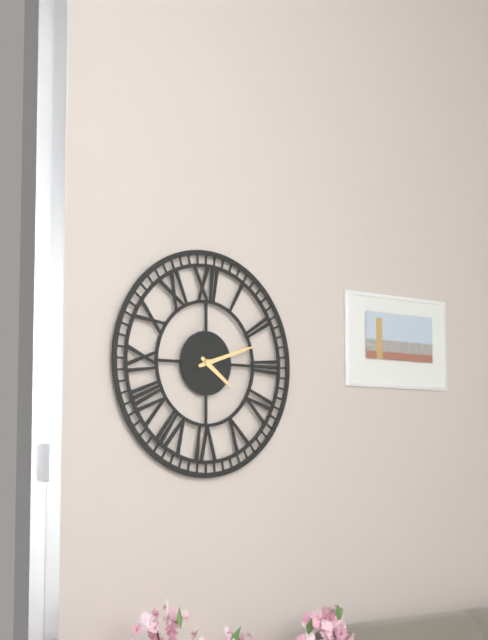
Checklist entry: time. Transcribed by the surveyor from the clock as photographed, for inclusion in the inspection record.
4:12
